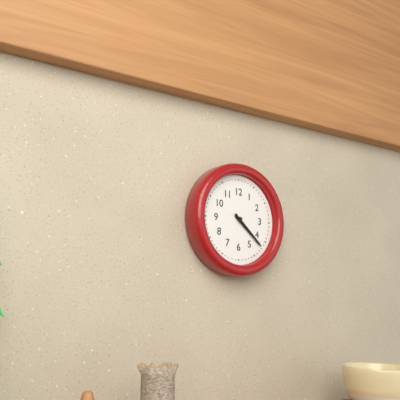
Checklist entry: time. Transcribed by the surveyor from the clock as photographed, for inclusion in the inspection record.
4:22
